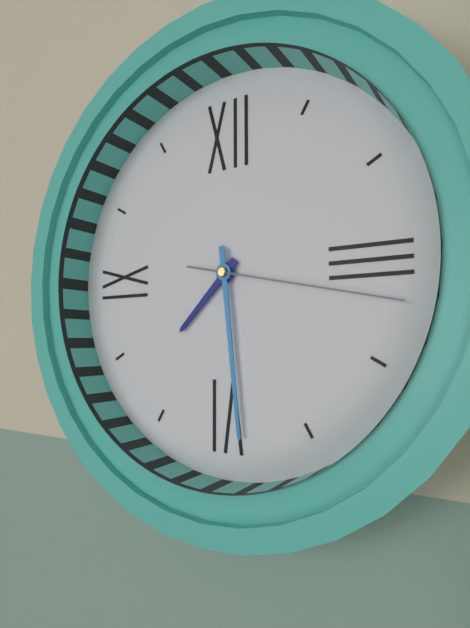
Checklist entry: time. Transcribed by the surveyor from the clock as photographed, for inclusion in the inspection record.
7:29:17
